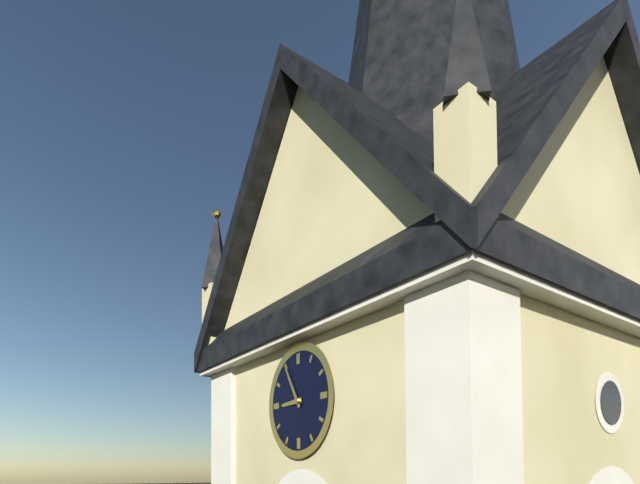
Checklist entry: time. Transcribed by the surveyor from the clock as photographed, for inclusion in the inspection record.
8:55
